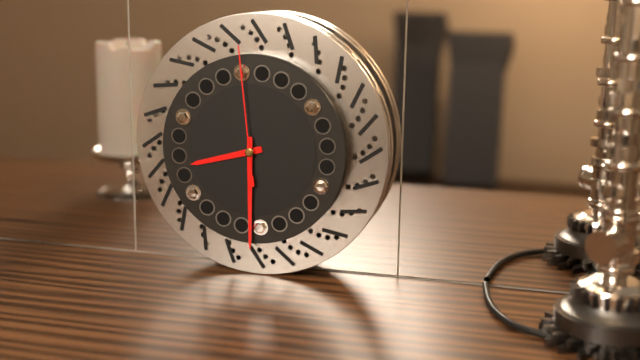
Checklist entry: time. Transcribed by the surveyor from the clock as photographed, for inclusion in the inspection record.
8:30:59
